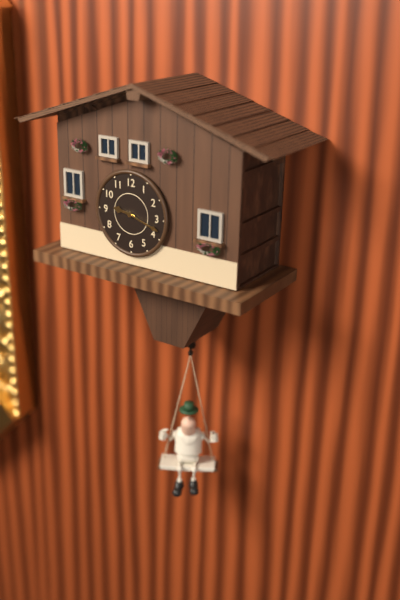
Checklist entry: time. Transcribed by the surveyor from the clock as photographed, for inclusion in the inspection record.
9:18
